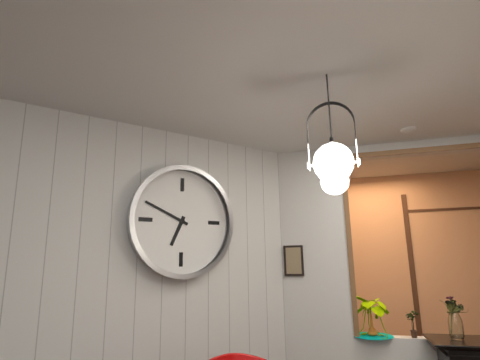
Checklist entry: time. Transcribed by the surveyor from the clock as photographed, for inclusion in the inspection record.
6:49
